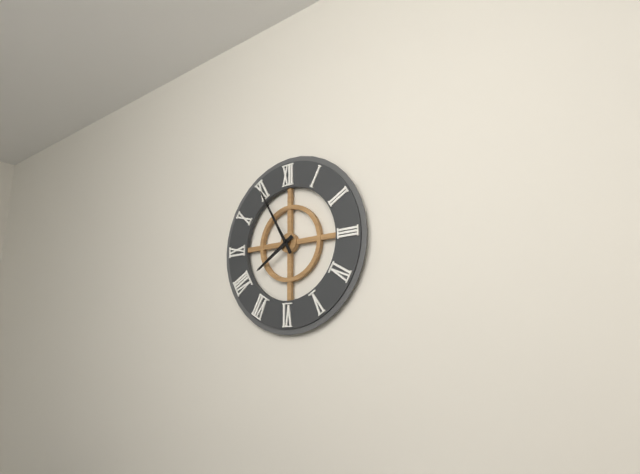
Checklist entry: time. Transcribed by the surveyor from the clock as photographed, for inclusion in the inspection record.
7:55
